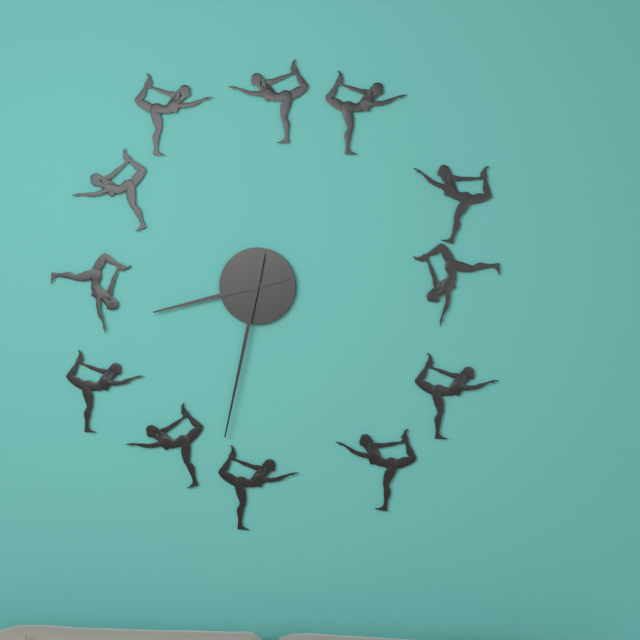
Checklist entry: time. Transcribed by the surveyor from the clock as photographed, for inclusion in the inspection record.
8:32
